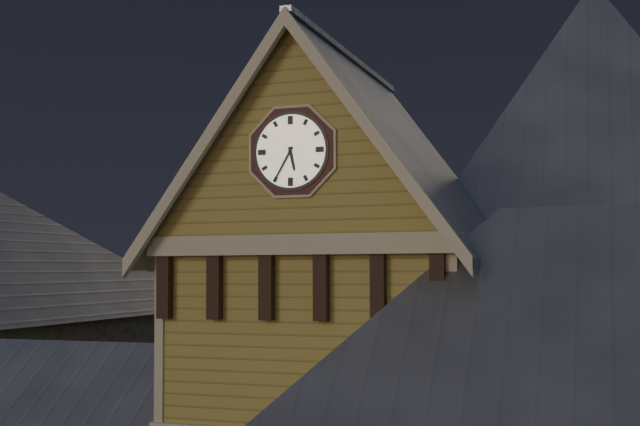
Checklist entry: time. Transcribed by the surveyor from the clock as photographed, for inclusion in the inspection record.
5:35
